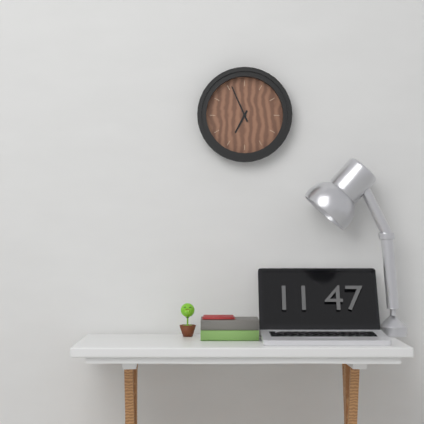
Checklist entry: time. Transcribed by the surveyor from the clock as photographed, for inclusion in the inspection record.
6:56
